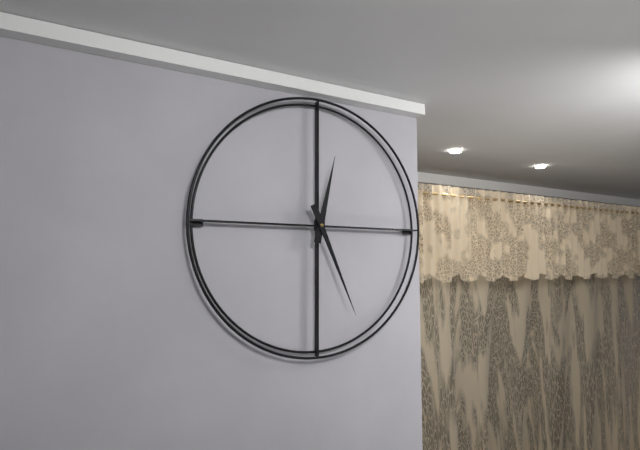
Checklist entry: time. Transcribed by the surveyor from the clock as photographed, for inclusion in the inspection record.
12:26
